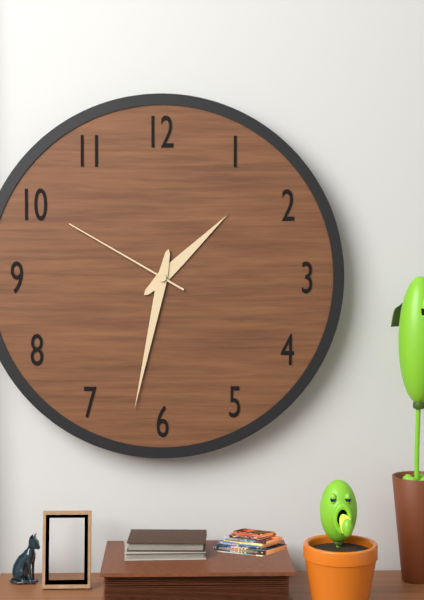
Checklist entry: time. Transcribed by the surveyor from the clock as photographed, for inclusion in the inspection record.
1:32:50
